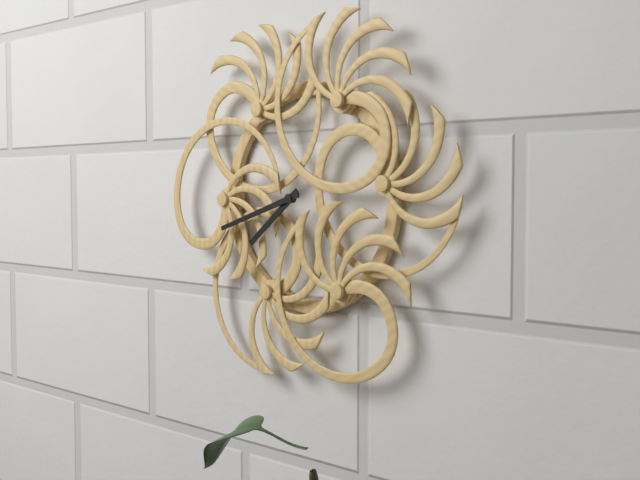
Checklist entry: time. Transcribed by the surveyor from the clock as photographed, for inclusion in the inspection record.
7:42
